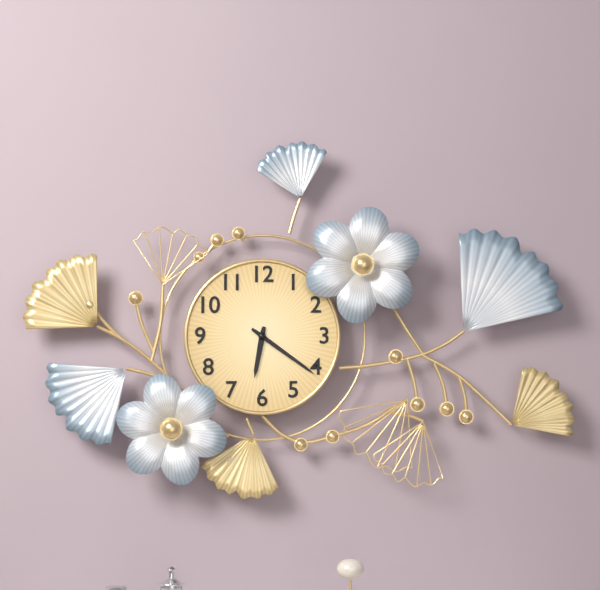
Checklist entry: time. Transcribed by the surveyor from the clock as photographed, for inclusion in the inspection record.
6:21
